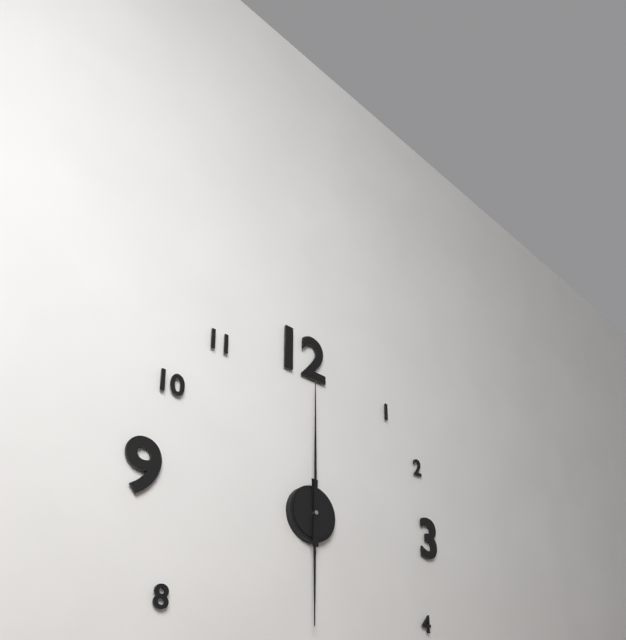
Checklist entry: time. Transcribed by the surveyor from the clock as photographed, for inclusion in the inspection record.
6:00
